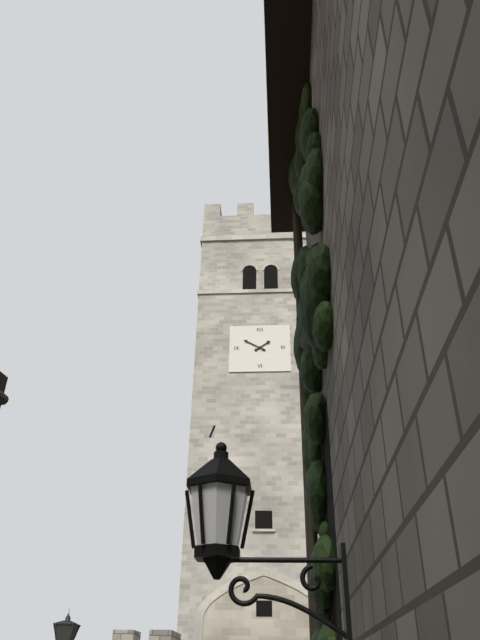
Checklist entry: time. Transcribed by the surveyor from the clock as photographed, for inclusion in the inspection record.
1:50
